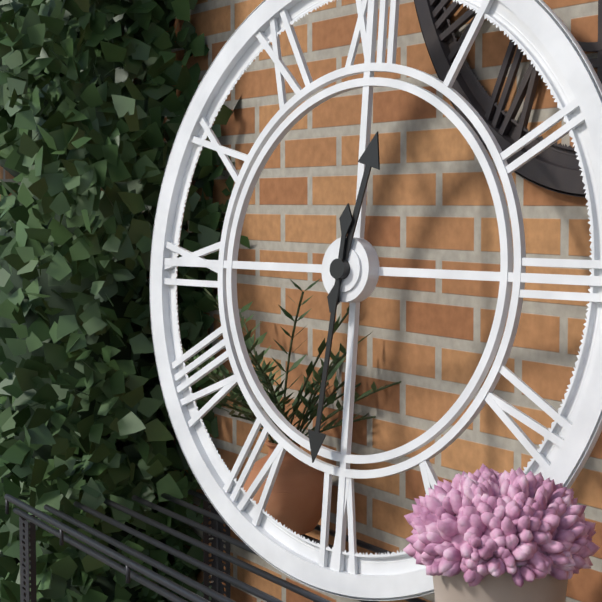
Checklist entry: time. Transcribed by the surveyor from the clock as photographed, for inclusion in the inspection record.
12:31
